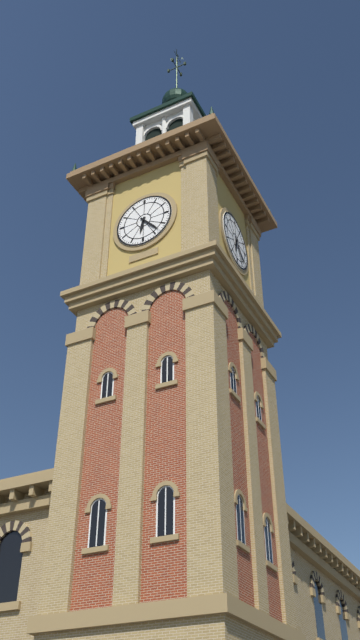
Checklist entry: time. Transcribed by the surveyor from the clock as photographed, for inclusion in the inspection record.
6:23
